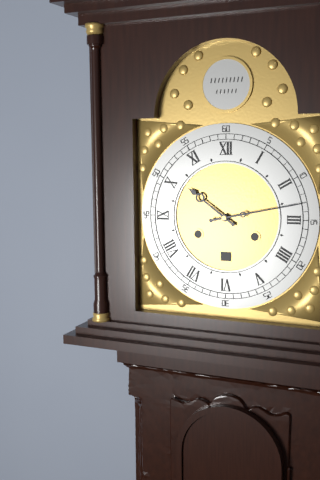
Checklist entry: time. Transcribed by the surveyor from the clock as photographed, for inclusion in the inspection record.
10:13
